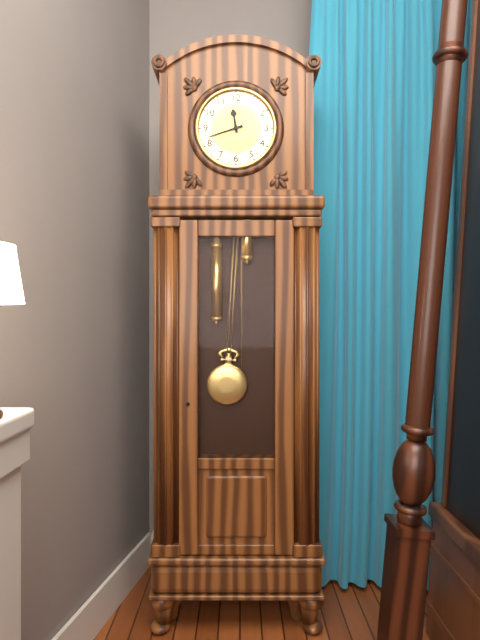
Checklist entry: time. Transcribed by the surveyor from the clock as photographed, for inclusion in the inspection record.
11:42
